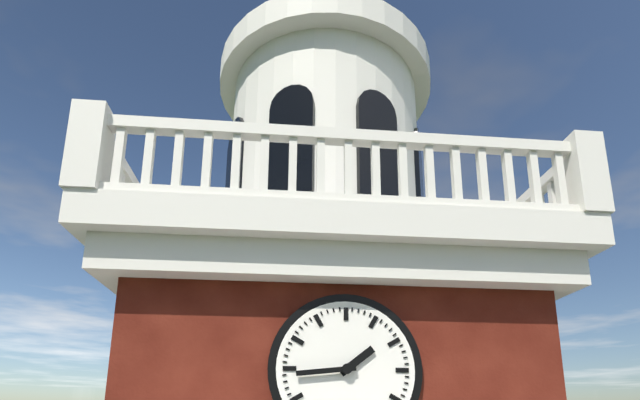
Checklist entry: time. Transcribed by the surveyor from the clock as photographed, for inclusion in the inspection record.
1:44
